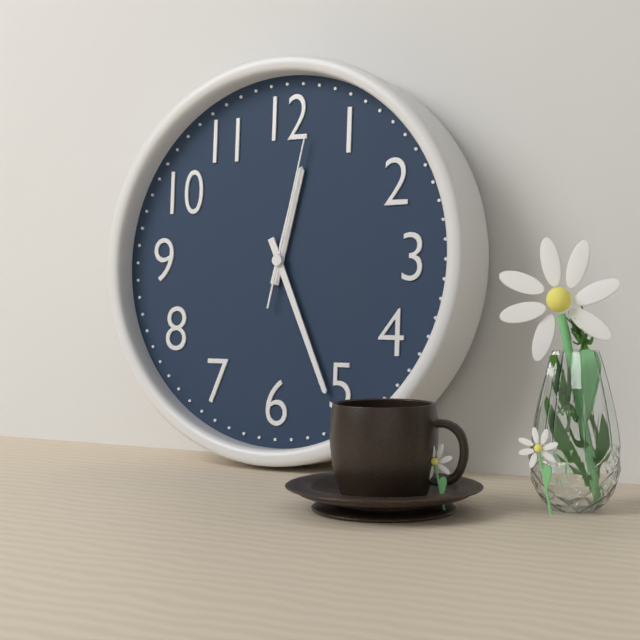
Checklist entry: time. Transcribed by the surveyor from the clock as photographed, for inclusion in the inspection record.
12:26:02
